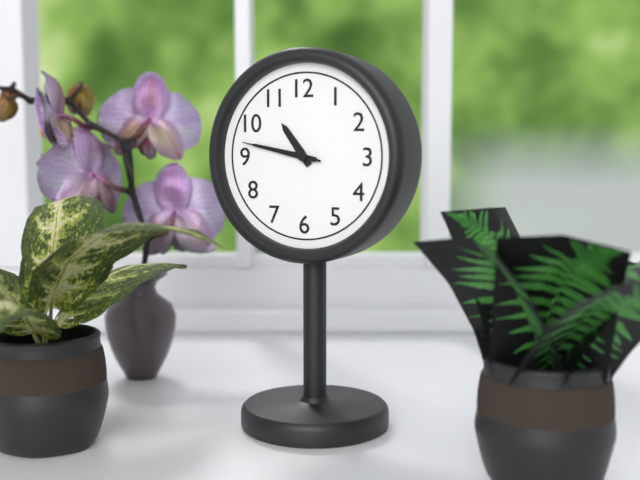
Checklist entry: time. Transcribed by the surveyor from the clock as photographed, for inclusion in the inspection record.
10:47:47
